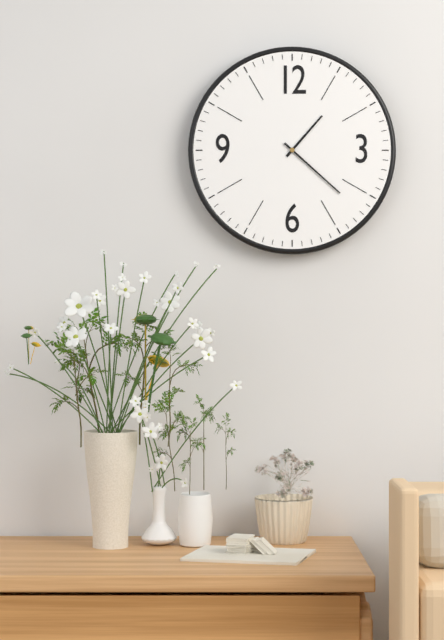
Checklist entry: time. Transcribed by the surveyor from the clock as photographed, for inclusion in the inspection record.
1:22
